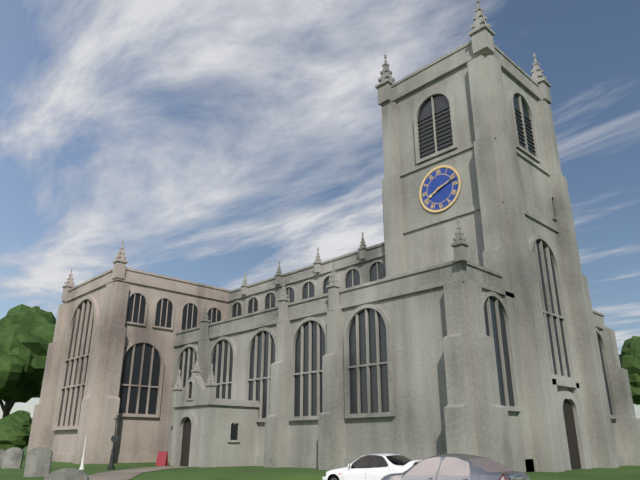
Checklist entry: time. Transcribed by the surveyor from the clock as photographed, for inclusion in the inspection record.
8:12
